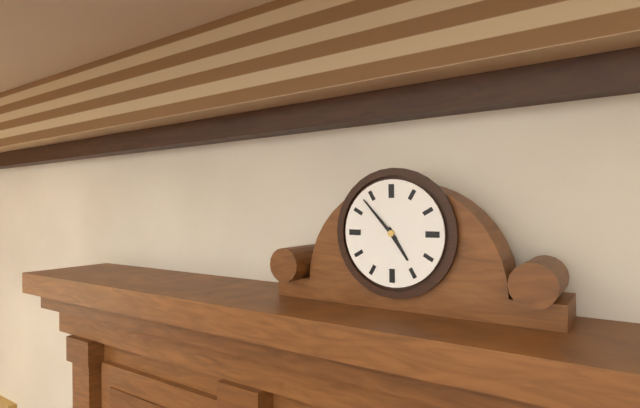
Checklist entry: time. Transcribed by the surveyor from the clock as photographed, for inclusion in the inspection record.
4:53
